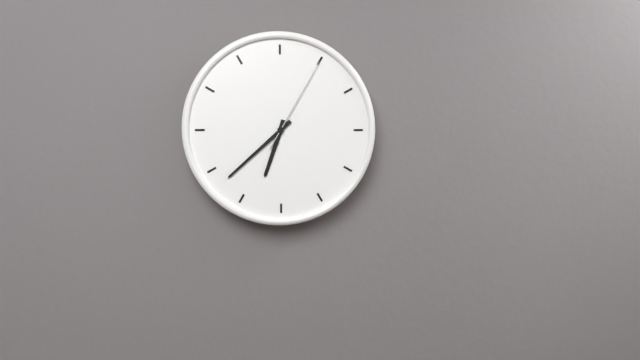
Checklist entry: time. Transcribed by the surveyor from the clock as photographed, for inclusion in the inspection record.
6:38:05
